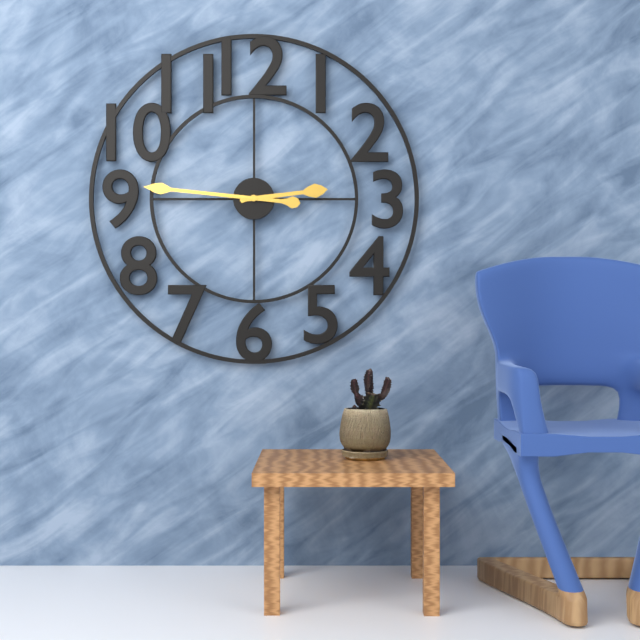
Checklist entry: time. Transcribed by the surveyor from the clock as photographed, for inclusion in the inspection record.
2:46
